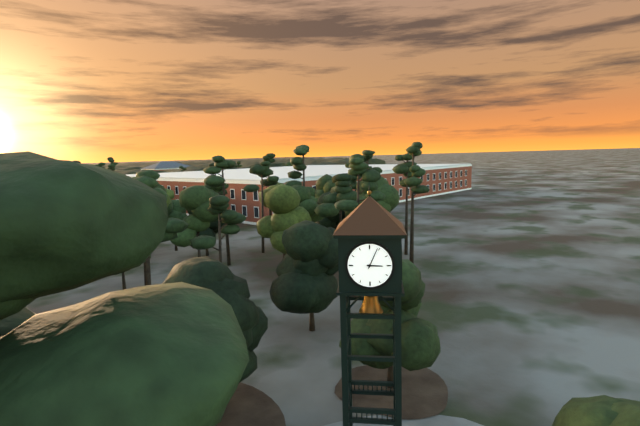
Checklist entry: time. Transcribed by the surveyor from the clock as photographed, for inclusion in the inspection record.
3:04
